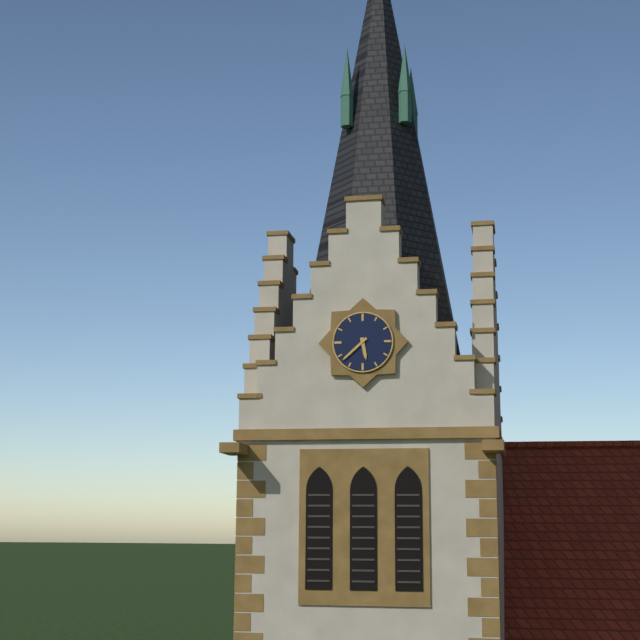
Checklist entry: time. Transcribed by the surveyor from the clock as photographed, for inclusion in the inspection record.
5:38
